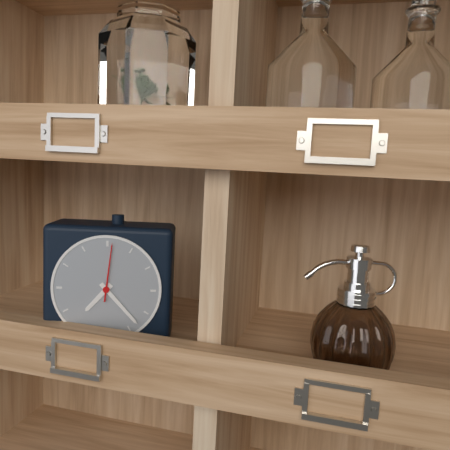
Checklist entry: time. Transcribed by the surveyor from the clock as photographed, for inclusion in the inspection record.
7:23:01
